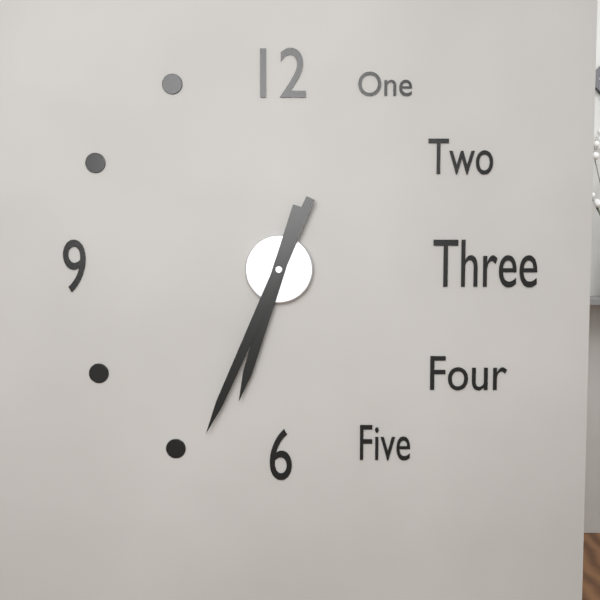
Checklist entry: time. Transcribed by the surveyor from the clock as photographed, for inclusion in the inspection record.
6:34
